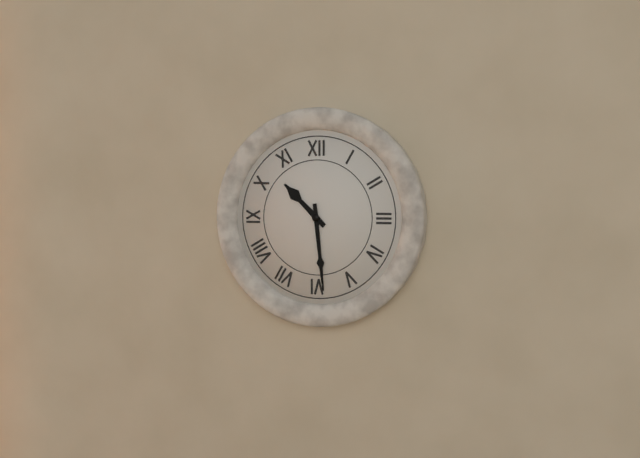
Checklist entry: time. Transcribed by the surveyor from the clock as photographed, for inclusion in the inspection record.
10:29
